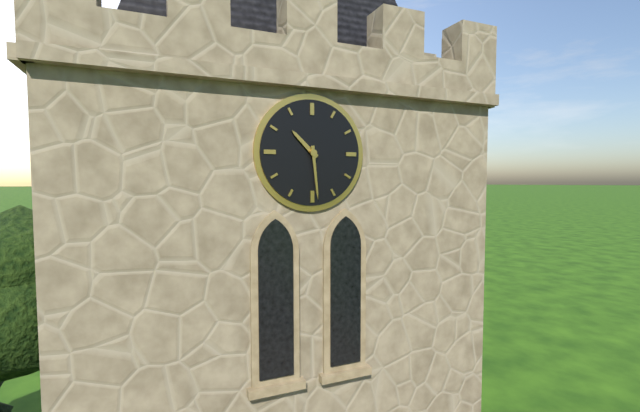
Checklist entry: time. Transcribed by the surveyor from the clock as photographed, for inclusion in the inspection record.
10:29
